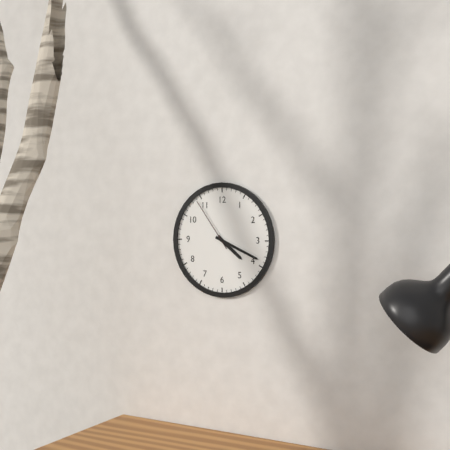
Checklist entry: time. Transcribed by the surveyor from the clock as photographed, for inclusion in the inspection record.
4:19:54
